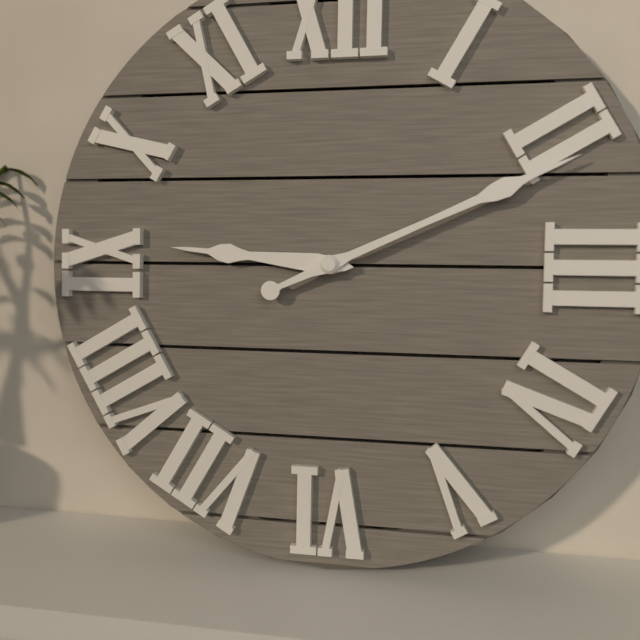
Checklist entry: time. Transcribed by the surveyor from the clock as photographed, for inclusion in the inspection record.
9:11
